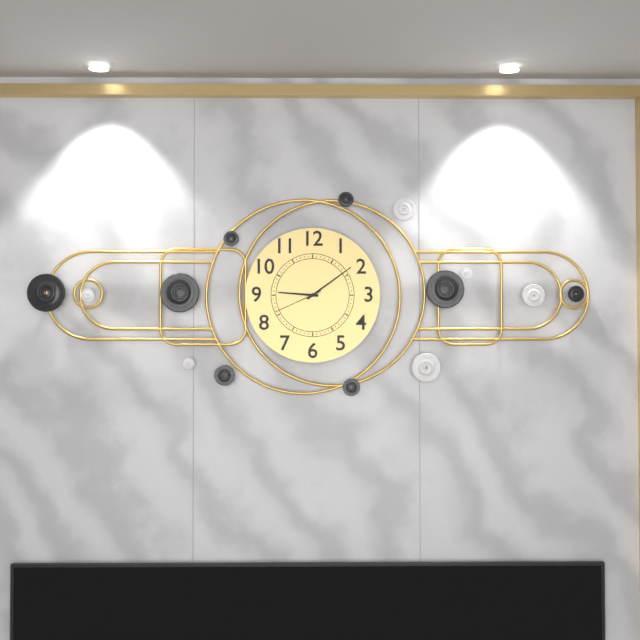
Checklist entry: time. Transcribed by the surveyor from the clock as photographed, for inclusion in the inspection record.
9:09:41
